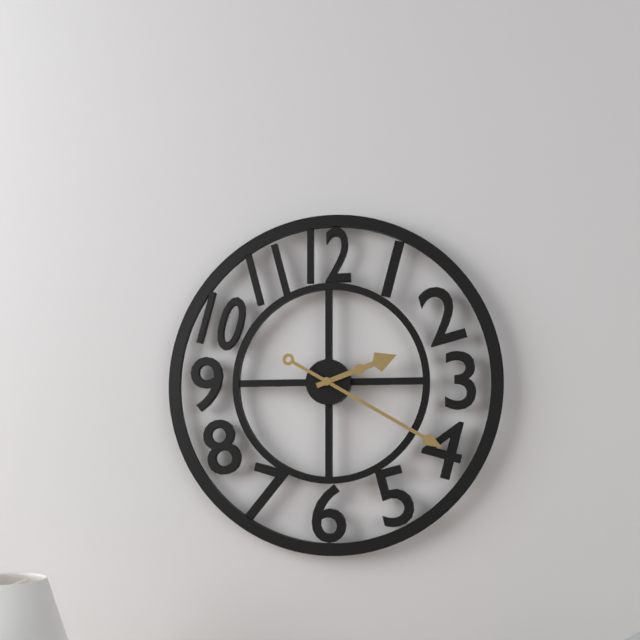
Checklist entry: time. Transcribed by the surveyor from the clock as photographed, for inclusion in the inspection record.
2:20
